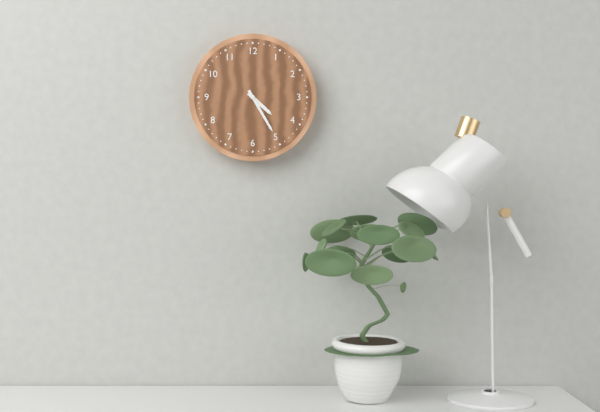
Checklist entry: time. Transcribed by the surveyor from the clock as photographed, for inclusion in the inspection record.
4:25
